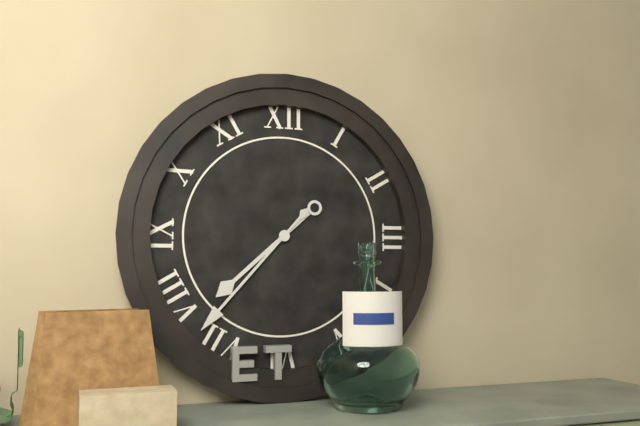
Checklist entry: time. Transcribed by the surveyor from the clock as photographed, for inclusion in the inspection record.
7:37
